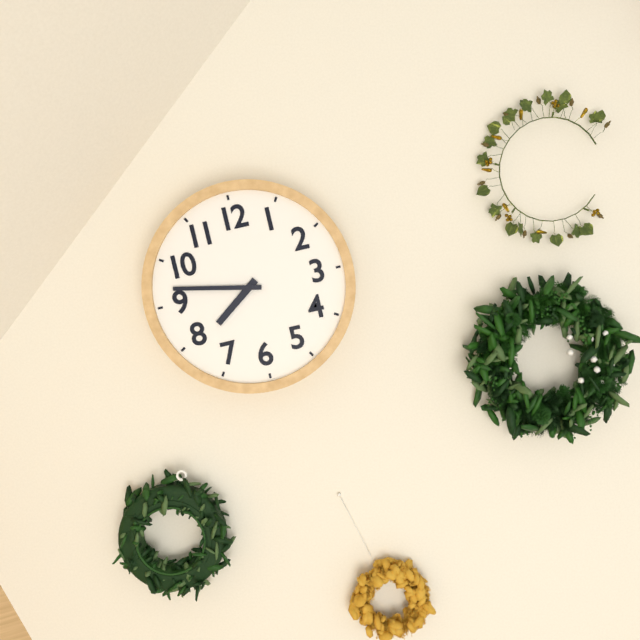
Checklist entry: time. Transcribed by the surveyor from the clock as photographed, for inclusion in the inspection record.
7:47
